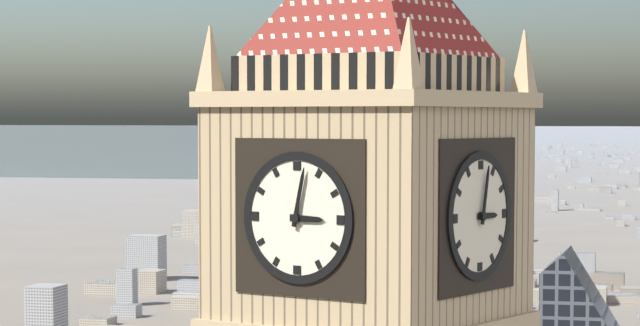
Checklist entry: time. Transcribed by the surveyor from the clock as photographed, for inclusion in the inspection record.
3:02
